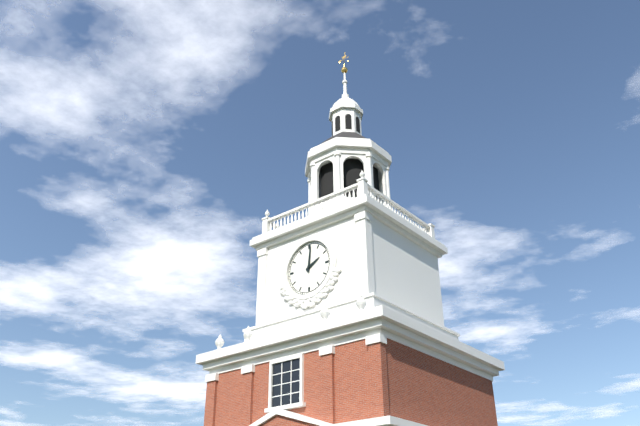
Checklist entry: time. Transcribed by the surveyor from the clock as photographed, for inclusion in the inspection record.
2:01
